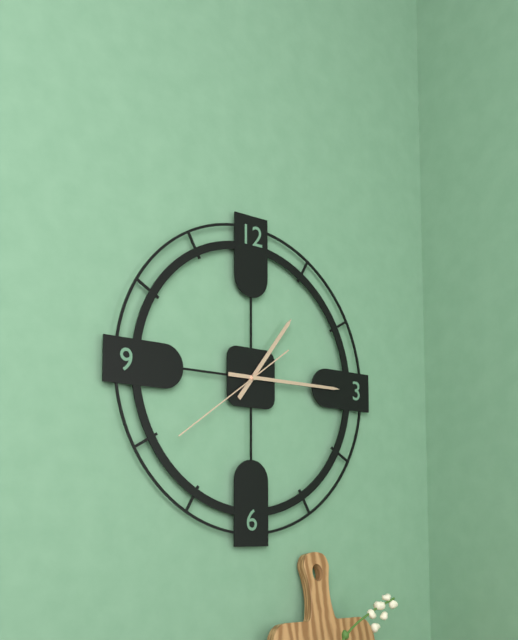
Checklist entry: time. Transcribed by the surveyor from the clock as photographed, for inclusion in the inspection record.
1:15:39
